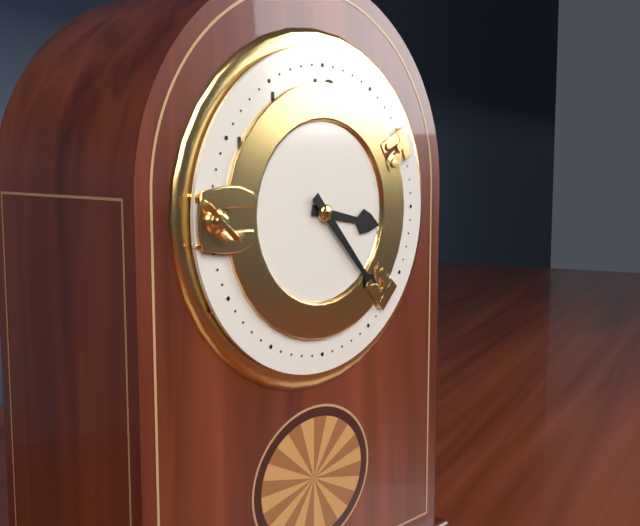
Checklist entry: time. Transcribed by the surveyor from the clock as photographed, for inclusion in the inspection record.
3:23
